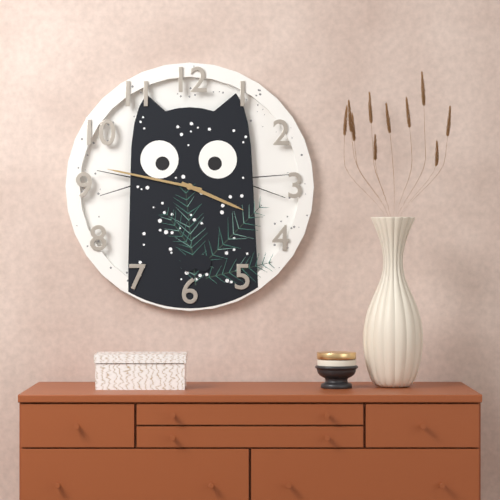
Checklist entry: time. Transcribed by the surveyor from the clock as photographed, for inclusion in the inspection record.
3:47
